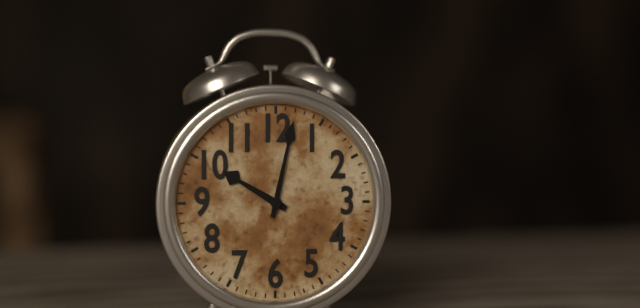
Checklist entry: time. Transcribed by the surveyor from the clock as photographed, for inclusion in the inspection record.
10:02
